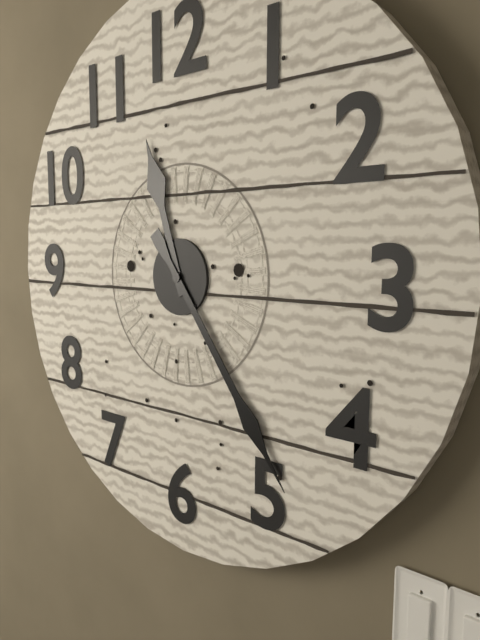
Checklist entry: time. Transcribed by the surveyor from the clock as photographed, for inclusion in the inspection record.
11:24
